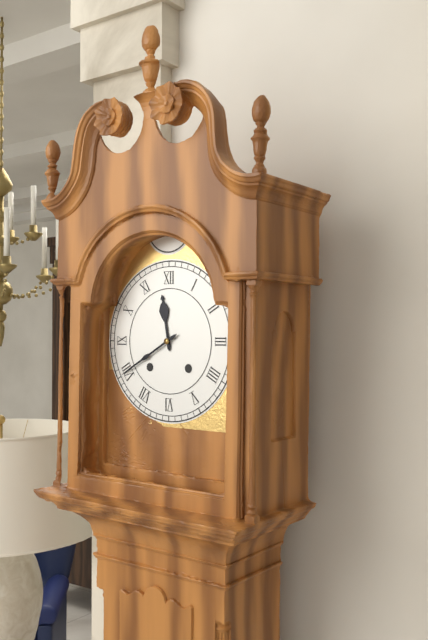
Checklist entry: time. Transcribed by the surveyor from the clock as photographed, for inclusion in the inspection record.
11:40
